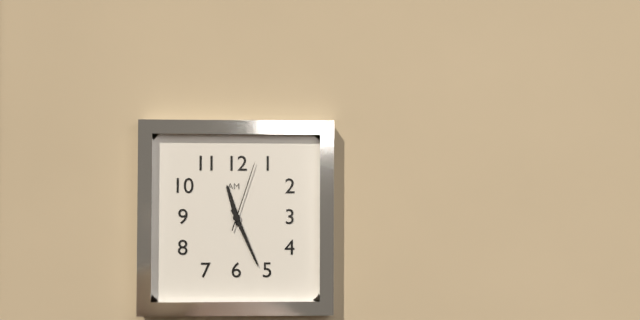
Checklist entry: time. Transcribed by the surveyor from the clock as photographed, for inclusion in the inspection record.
11:26:03
